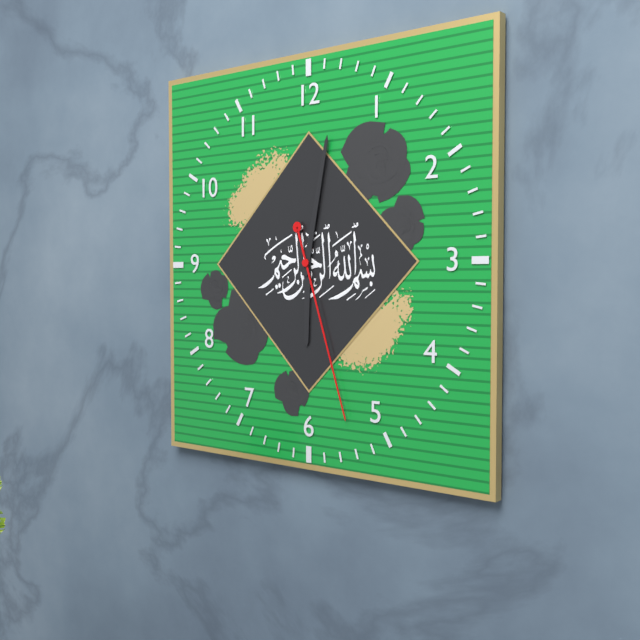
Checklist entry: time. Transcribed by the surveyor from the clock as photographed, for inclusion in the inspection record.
6:02:27
